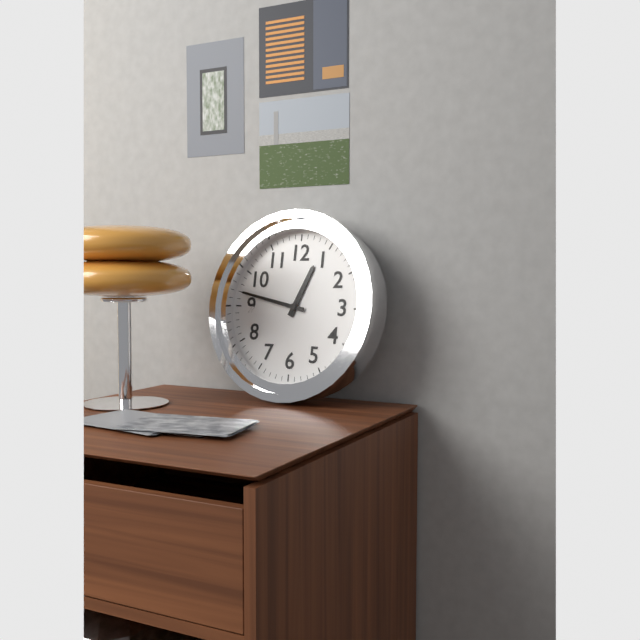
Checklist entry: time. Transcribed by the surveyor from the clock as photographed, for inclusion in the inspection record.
12:47
